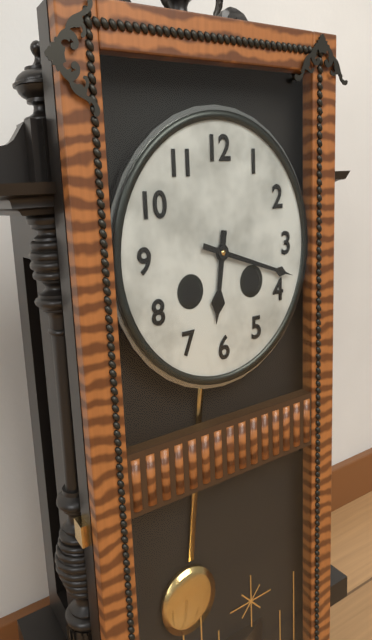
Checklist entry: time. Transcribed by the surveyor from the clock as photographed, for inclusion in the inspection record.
6:18
